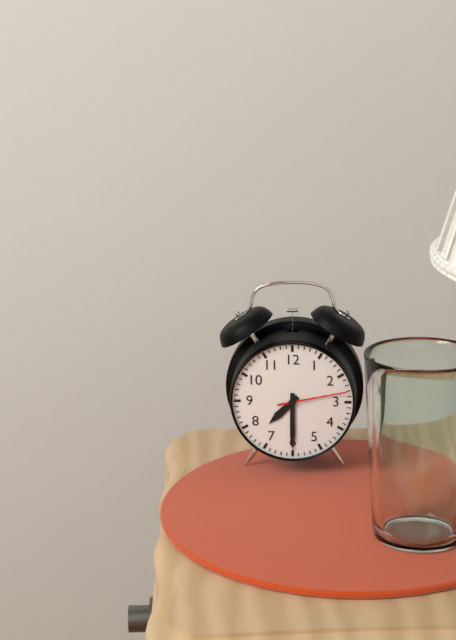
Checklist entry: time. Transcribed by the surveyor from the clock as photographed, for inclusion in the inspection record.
7:30:13
